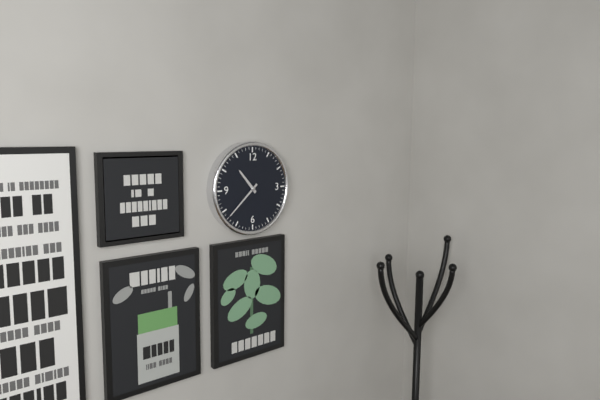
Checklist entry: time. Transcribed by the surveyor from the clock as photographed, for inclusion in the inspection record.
10:38
